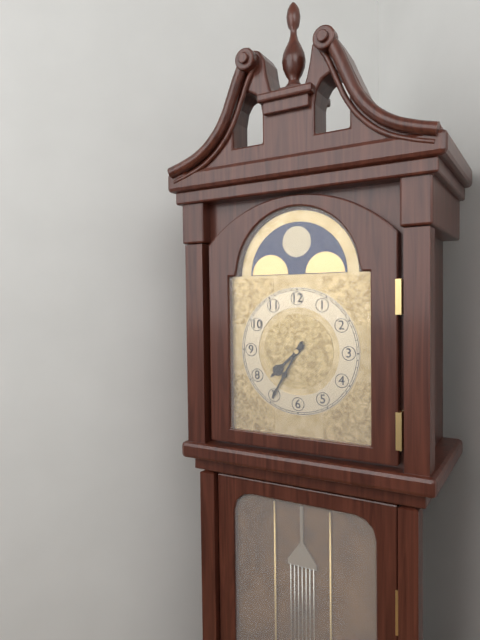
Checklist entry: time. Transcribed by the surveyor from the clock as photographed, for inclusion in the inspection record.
7:35
